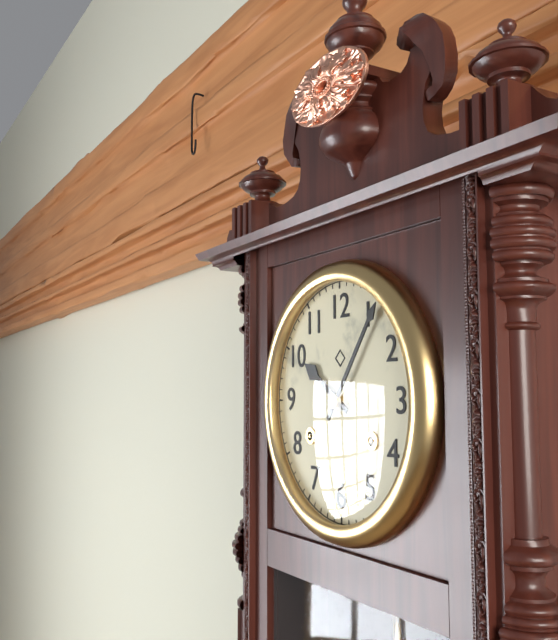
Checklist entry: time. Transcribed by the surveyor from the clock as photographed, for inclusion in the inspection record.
10:06
